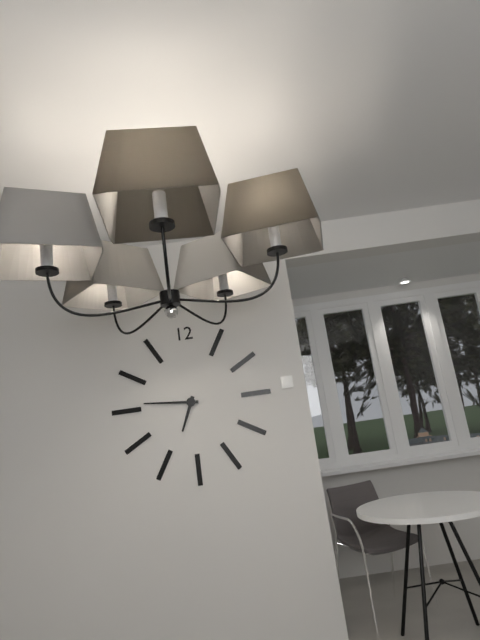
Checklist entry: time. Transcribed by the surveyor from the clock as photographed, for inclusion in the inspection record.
6:46
